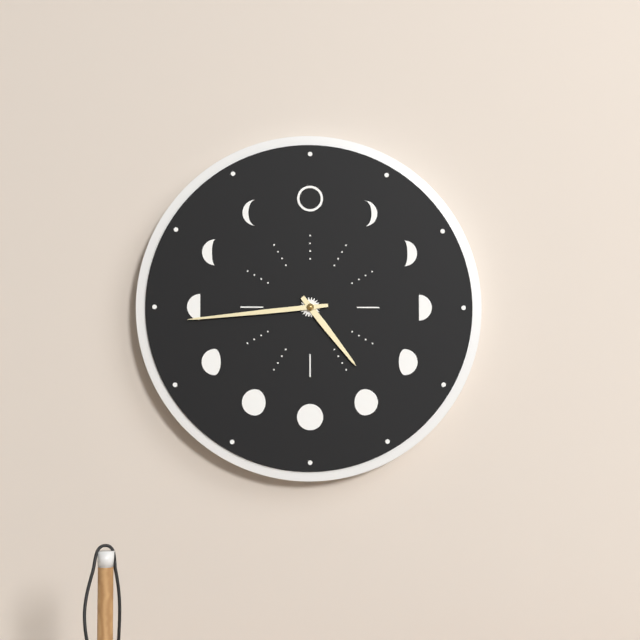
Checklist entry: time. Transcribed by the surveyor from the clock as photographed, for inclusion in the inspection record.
4:44
